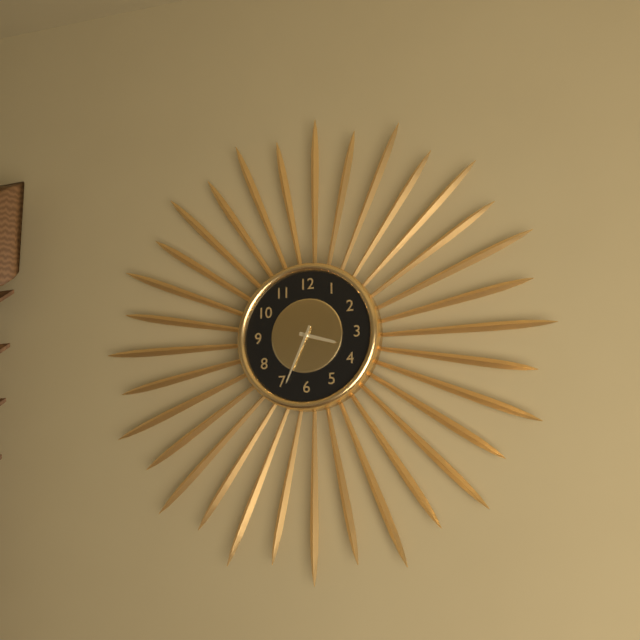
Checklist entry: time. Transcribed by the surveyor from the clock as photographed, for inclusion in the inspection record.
3:34
